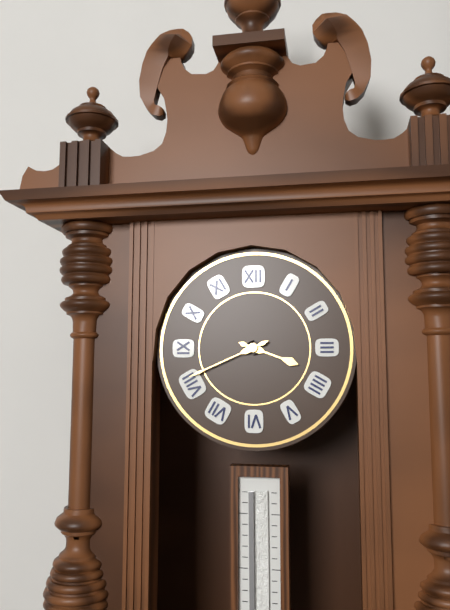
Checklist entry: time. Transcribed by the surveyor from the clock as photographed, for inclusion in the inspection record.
3:41
